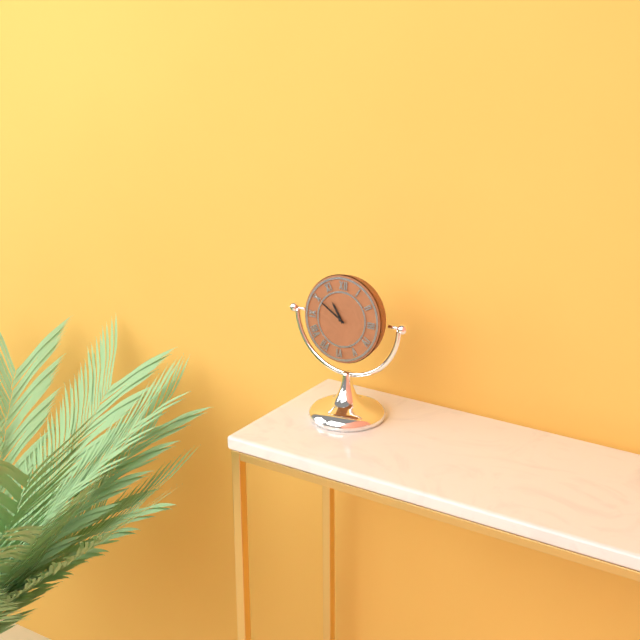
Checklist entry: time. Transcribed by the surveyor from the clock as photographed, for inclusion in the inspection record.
10:50
